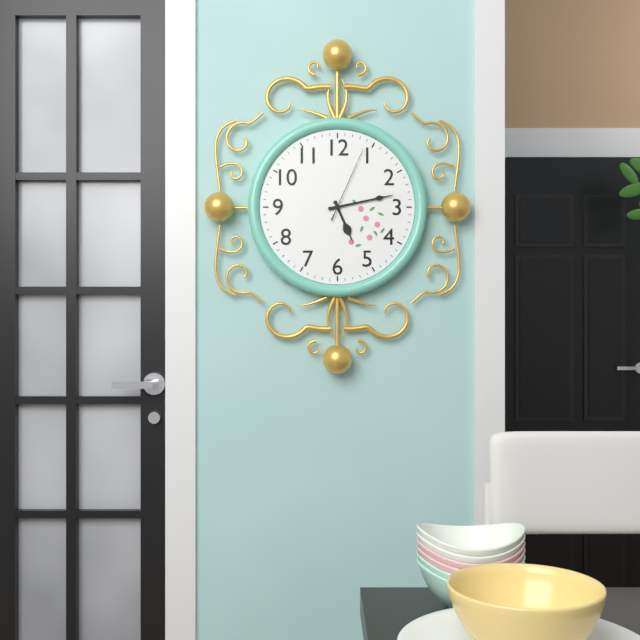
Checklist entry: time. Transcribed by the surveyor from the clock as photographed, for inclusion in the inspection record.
5:13:04
